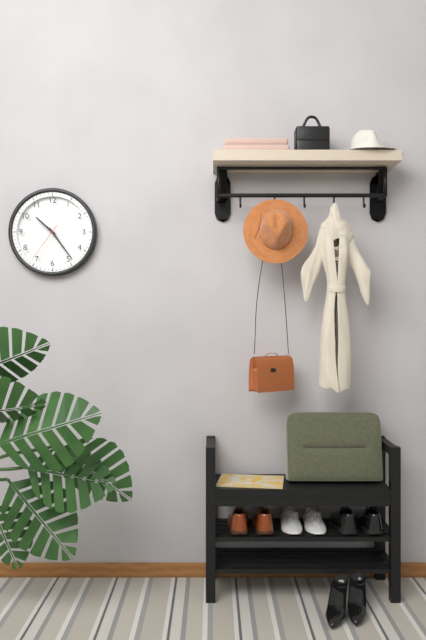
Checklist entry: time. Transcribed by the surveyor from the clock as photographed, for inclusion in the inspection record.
10:24
